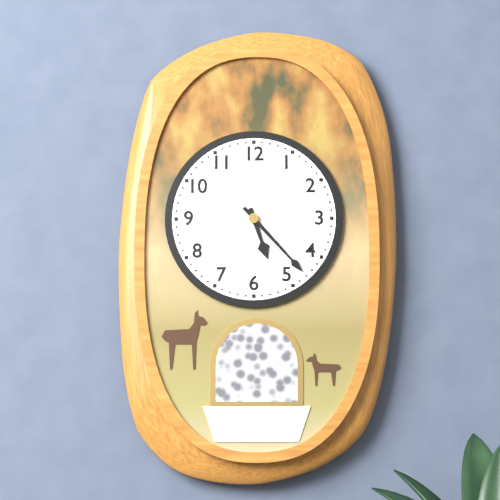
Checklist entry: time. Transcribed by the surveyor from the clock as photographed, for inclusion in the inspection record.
5:23
